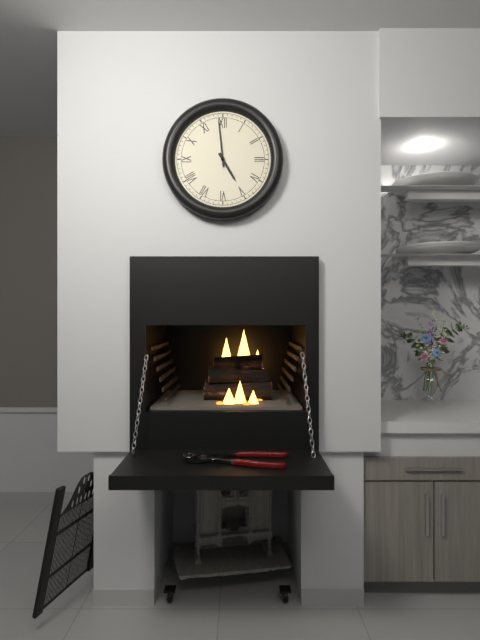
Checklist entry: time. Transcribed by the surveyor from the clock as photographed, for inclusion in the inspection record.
4:59
